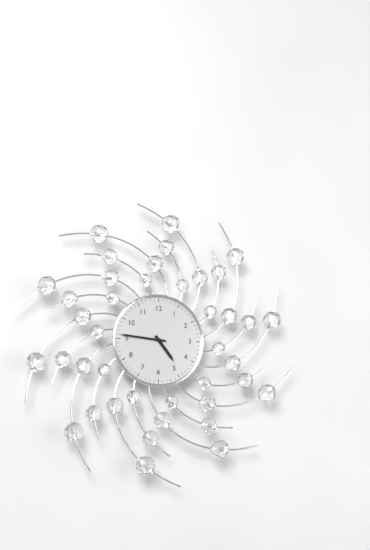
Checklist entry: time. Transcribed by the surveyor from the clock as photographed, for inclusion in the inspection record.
4:46
